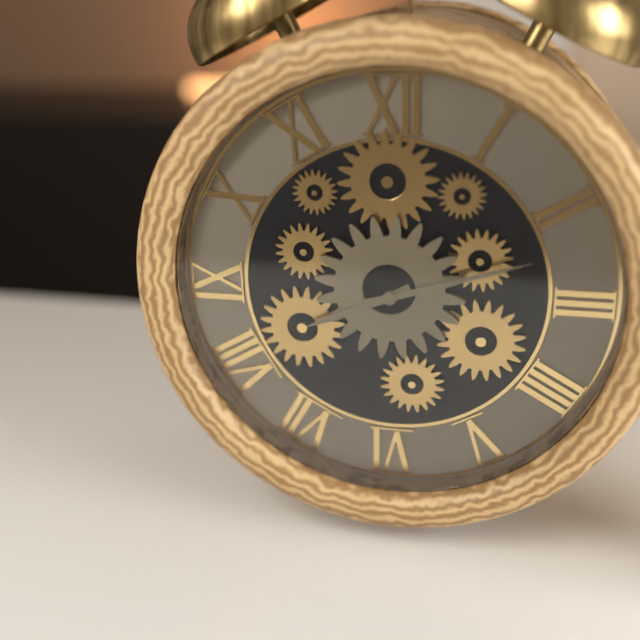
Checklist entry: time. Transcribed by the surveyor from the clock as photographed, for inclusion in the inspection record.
8:12
